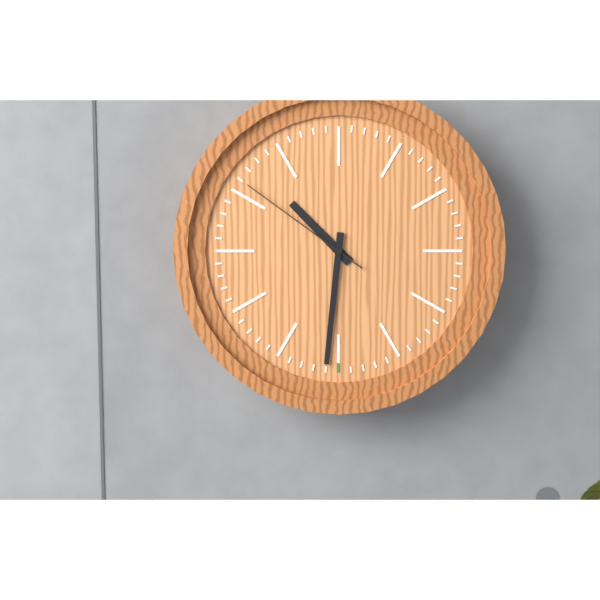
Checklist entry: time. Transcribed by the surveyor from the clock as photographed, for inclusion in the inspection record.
10:31:51
